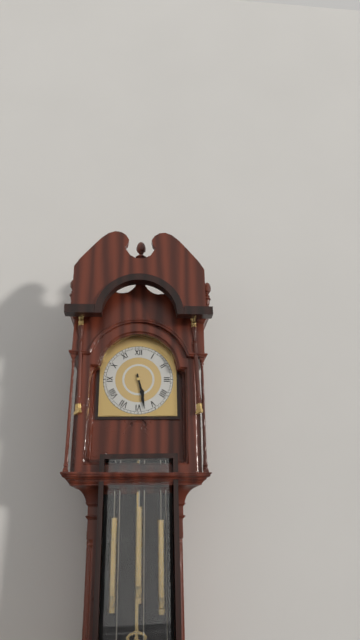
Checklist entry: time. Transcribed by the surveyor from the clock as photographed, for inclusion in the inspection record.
5:28
